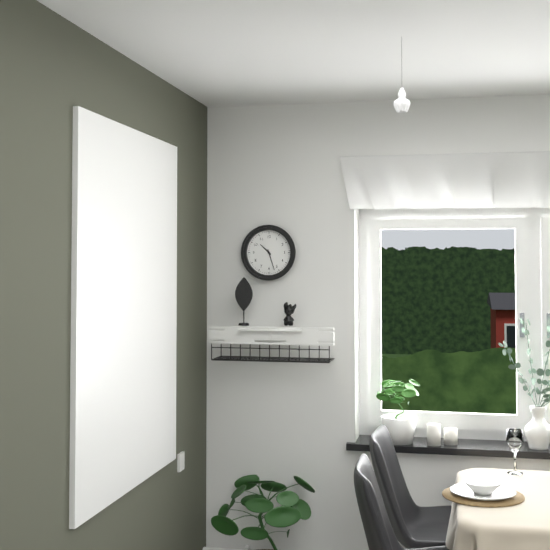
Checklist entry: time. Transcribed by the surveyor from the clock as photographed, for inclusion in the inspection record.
10:27
